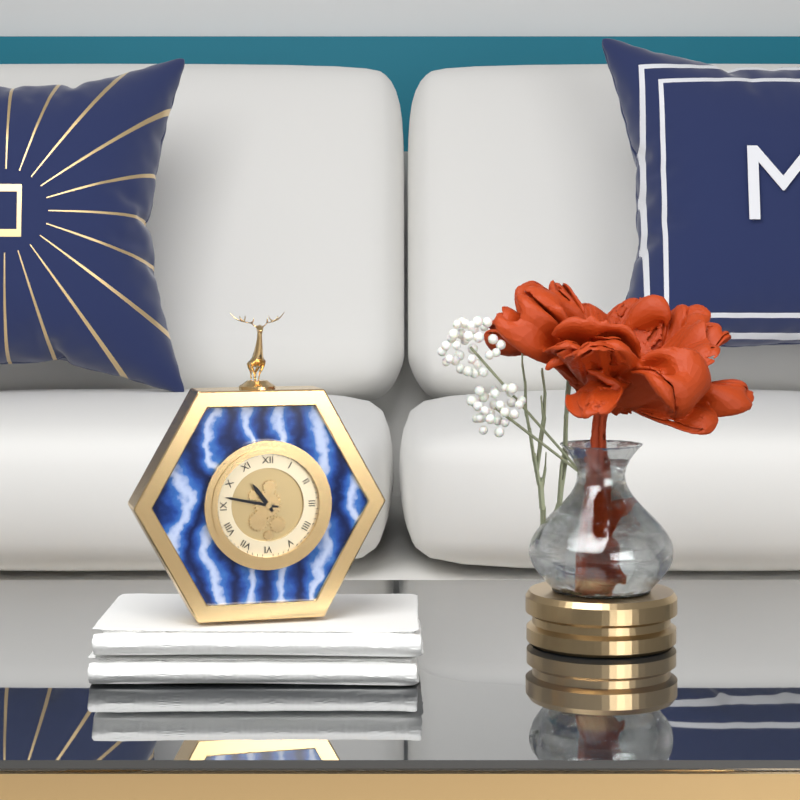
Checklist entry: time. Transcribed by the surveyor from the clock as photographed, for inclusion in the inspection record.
10:47
